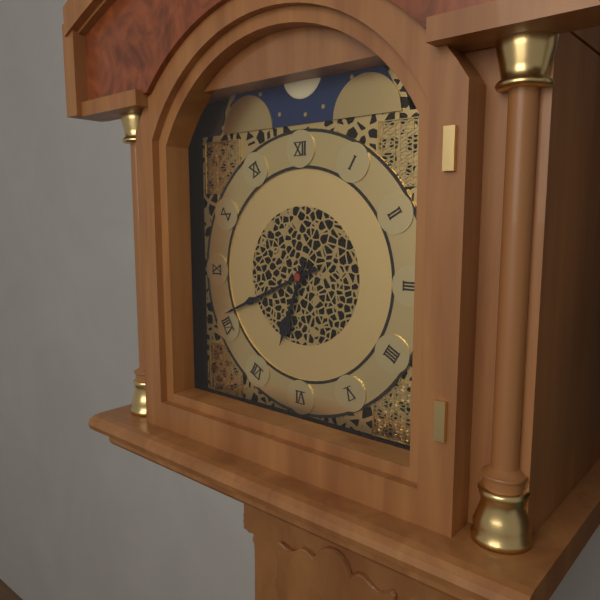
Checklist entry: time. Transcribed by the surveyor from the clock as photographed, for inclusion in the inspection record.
6:41
